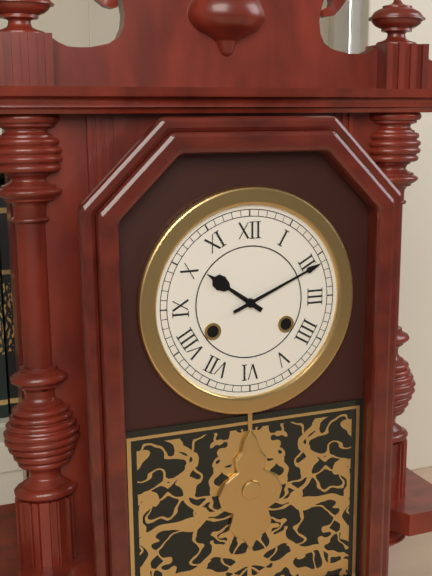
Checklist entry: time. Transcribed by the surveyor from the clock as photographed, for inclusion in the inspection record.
10:11
